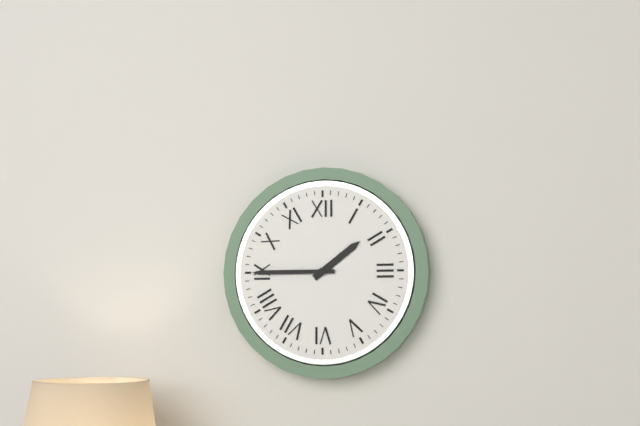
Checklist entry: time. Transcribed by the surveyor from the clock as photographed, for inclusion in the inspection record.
1:45
